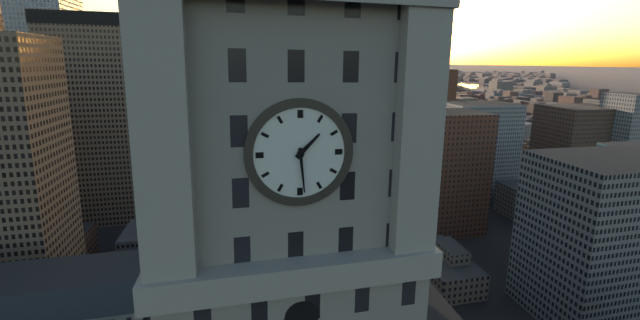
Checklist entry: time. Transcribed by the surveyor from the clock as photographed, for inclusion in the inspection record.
1:29
